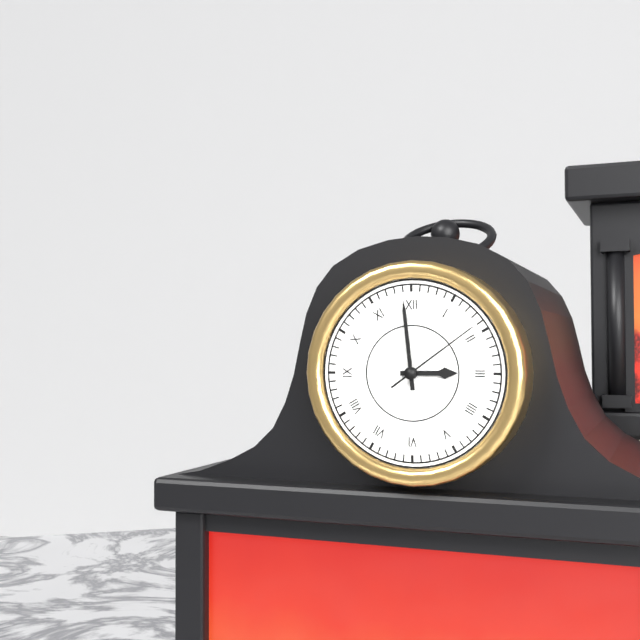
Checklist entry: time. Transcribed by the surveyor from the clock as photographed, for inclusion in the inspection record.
2:59:09
